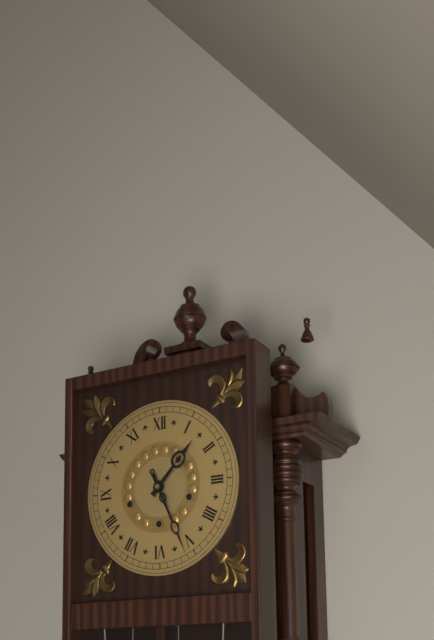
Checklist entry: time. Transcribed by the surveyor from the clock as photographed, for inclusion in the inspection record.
1:26
